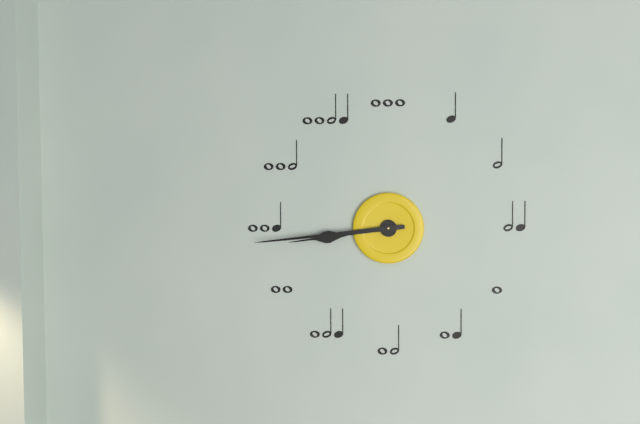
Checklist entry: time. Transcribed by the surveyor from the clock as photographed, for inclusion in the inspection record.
8:44
